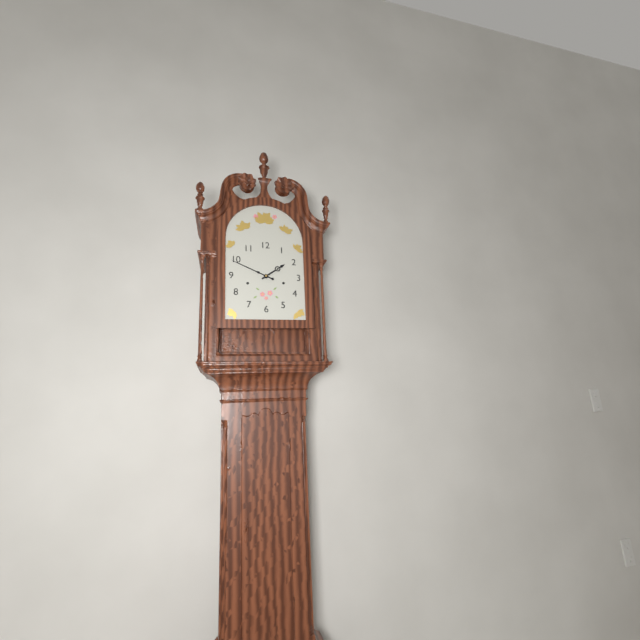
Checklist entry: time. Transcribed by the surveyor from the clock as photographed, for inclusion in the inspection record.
1:49
